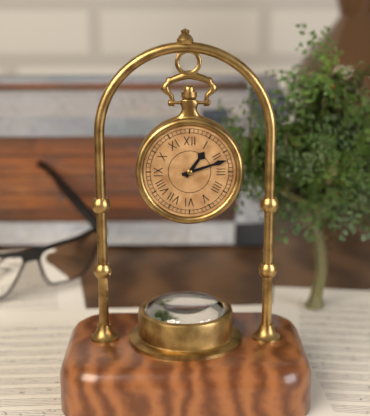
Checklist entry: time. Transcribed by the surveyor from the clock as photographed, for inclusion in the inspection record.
1:12
